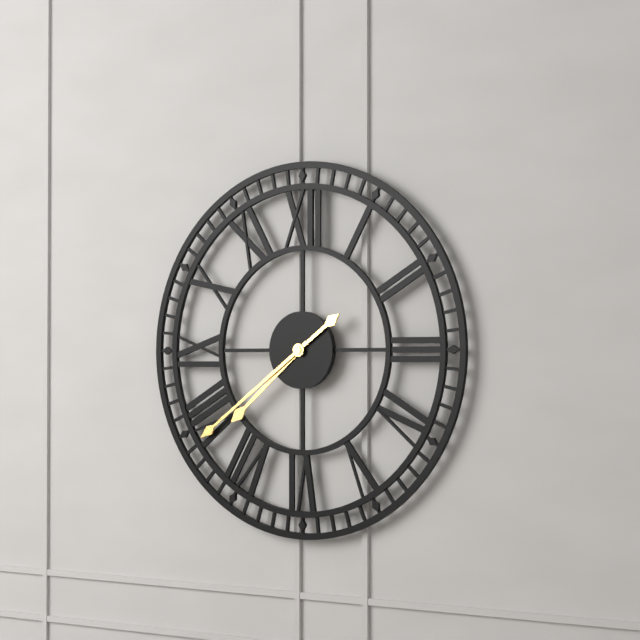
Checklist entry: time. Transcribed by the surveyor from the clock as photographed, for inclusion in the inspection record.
7:39
